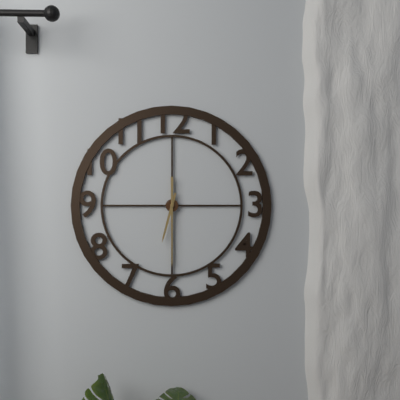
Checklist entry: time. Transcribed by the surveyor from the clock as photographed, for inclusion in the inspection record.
6:30
